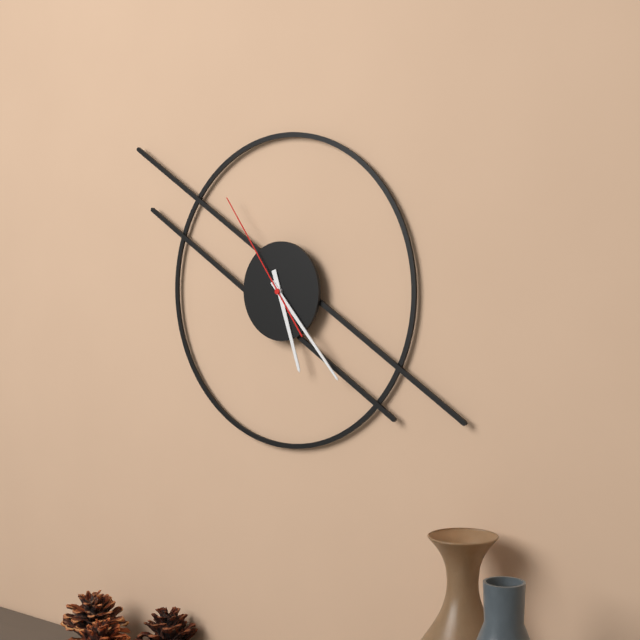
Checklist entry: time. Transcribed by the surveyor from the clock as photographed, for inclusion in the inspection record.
5:23:54
